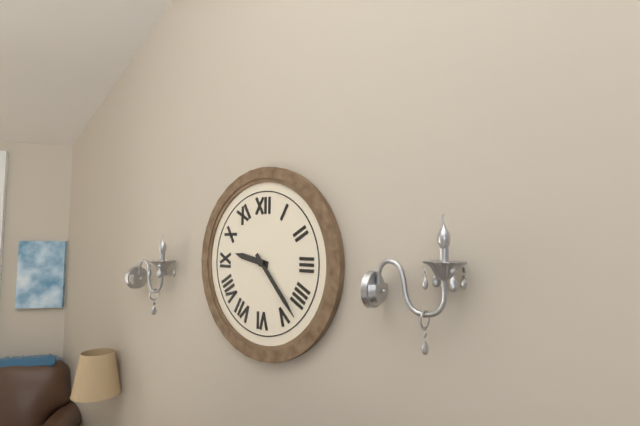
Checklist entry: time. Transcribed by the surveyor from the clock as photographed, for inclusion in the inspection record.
9:23
